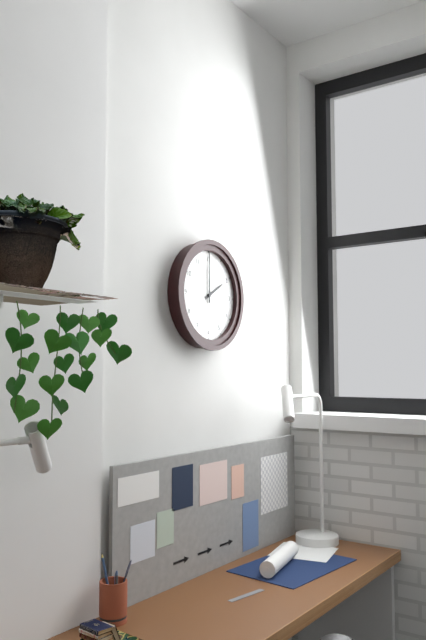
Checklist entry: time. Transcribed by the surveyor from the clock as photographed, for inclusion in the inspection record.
2:00
